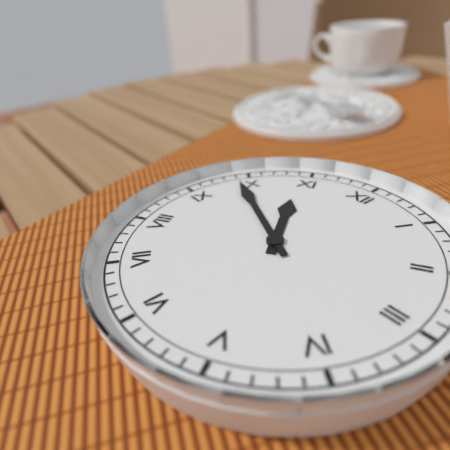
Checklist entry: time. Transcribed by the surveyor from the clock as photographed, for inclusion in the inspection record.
10:49
